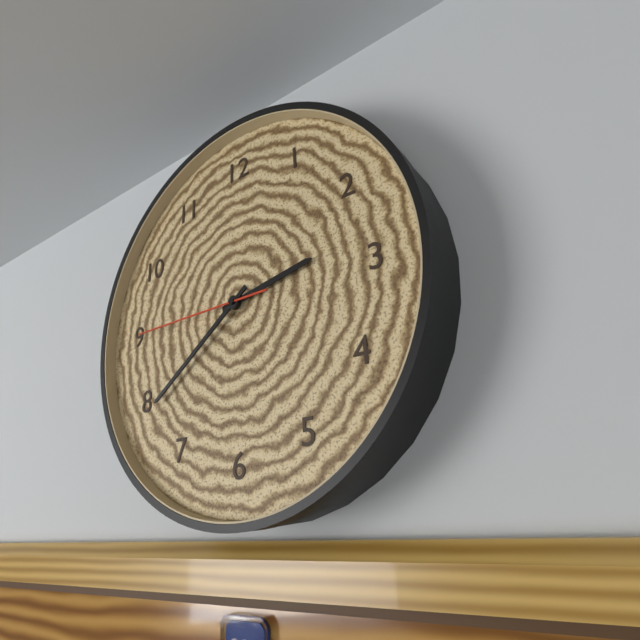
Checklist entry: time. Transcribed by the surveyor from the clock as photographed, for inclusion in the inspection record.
2:39:45
